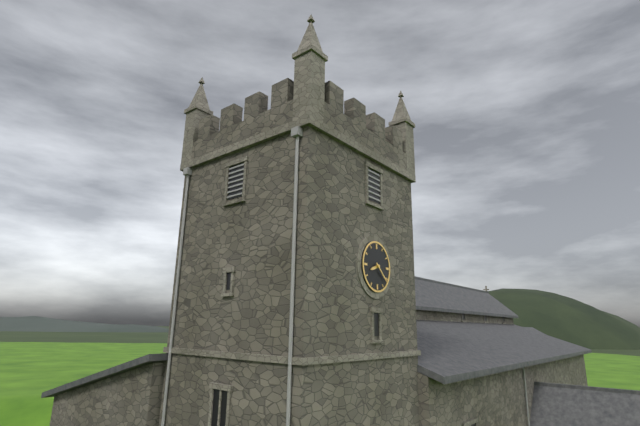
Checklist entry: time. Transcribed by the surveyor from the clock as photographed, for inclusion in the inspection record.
8:22
